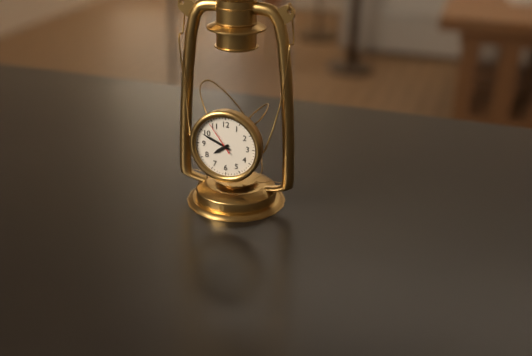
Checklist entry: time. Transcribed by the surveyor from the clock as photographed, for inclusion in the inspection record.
7:49
